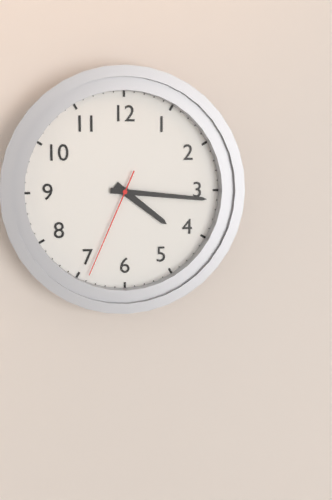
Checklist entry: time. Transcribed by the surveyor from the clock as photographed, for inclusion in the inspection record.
4:16:34
